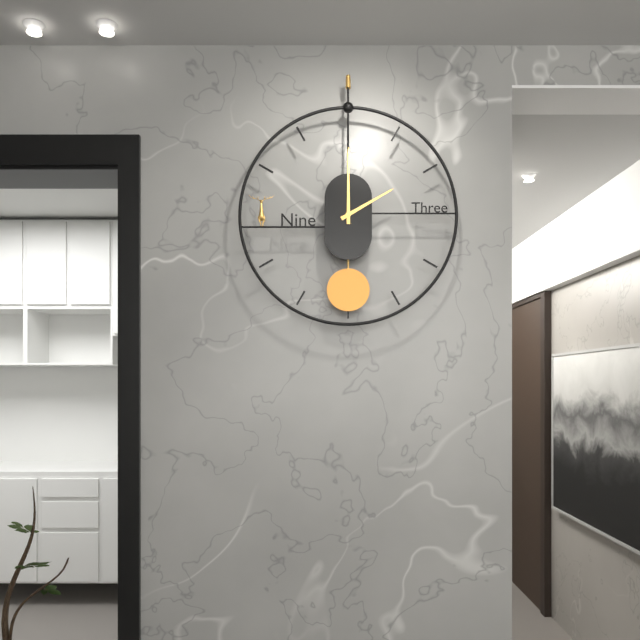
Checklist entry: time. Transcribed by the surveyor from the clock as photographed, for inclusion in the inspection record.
2:00
